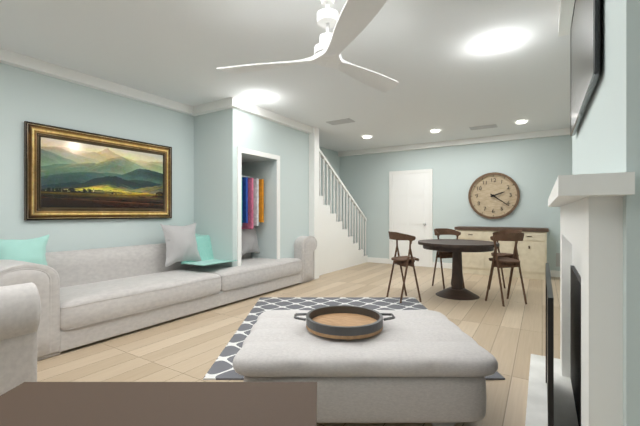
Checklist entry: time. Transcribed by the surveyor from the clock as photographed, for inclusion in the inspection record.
2:21
